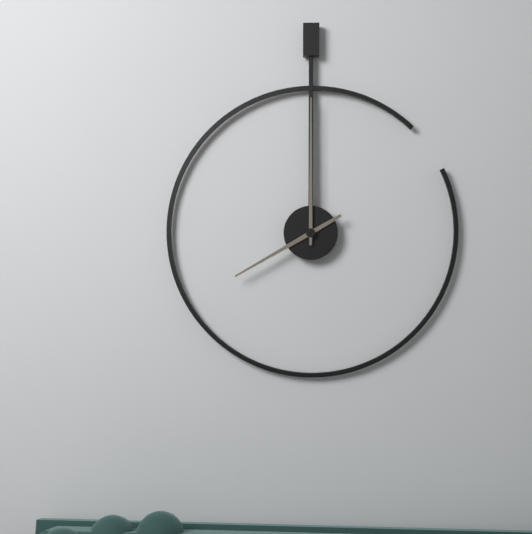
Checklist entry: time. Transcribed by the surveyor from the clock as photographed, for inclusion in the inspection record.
8:00
